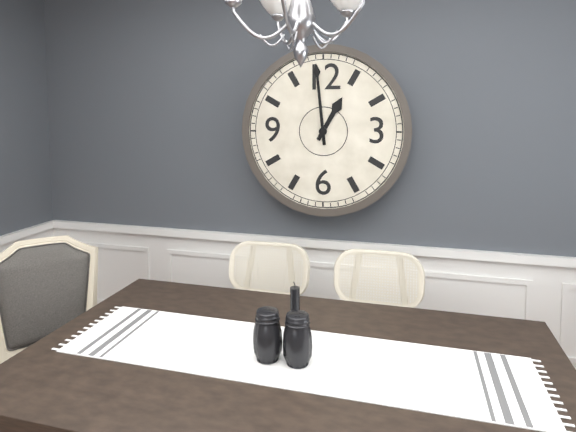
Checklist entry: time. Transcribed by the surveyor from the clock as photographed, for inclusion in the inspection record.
12:59
